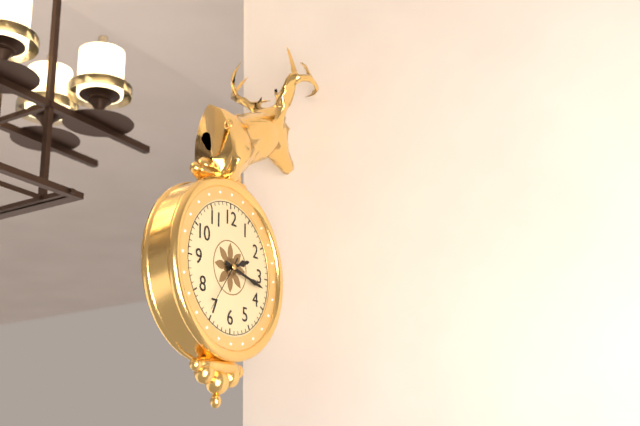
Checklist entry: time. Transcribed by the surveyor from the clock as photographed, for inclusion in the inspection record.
2:17:36
